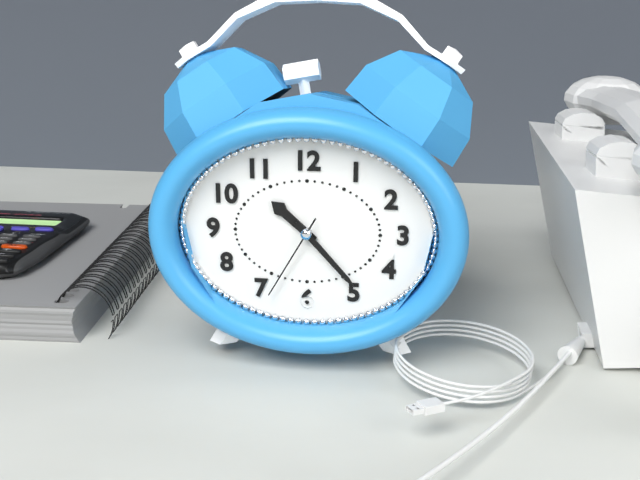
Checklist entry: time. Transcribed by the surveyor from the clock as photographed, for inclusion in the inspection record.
10:23:35
